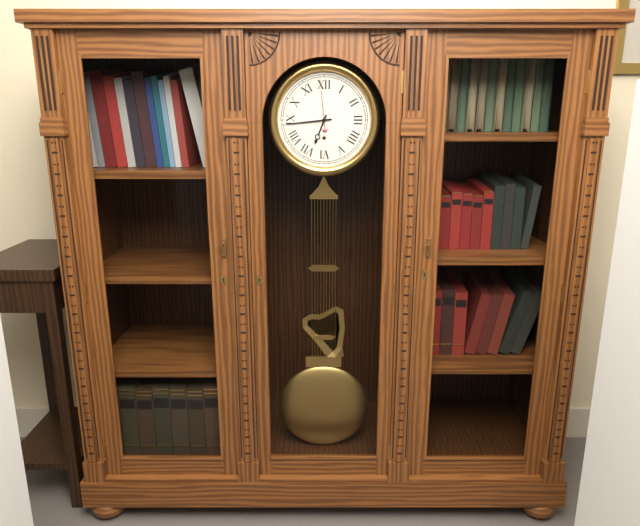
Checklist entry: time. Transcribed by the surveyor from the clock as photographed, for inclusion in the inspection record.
6:44:59
